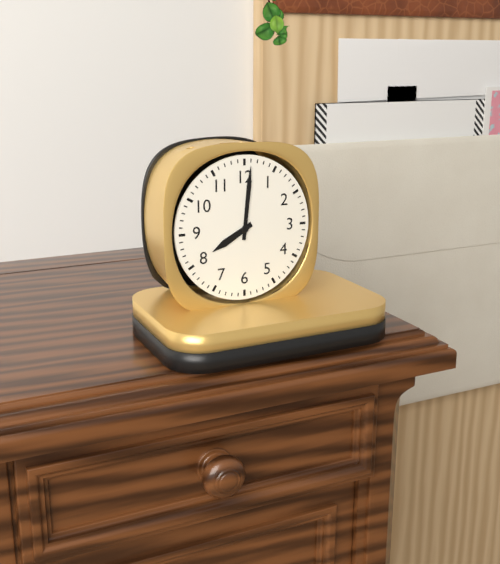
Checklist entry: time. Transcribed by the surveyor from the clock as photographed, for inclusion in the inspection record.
8:01
